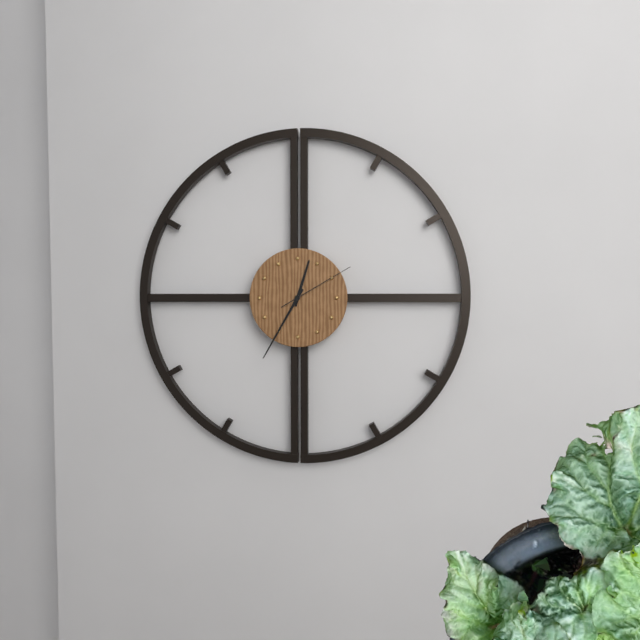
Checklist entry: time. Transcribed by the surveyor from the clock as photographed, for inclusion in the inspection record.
12:35:10
